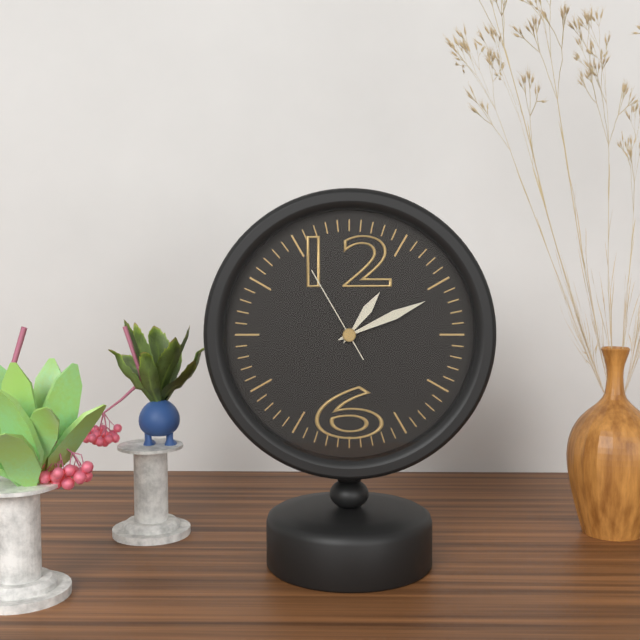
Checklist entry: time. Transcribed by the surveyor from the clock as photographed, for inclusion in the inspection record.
1:11:55
